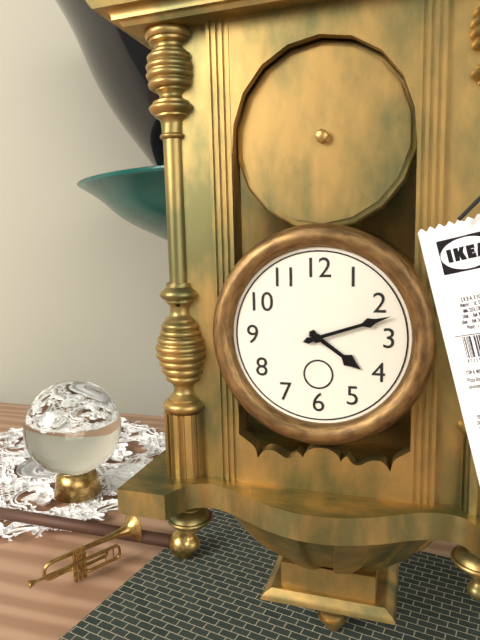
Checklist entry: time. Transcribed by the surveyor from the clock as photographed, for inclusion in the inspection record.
4:12
